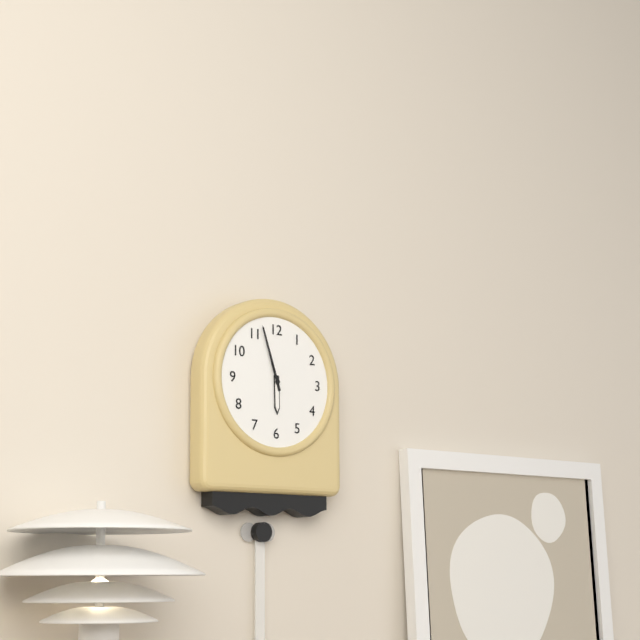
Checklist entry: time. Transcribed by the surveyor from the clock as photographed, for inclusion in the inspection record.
5:57
